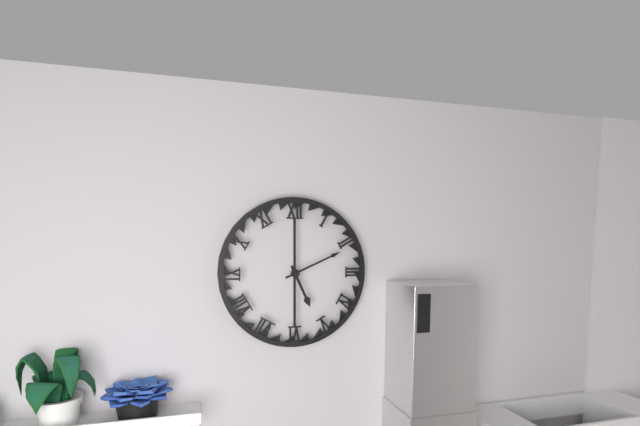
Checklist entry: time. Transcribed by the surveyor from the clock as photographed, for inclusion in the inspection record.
5:11
